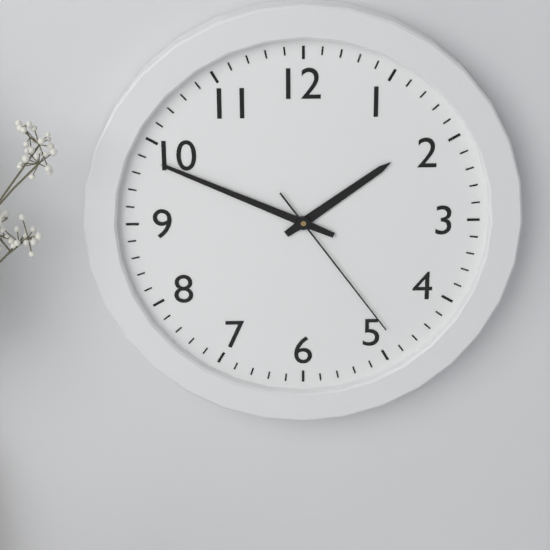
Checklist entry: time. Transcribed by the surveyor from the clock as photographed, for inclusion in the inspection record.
1:49:24
